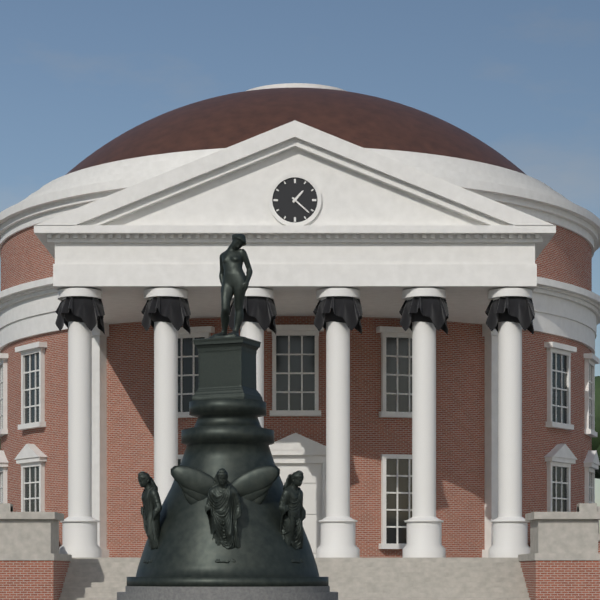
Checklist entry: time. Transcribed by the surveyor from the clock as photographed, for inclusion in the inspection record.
1:22
